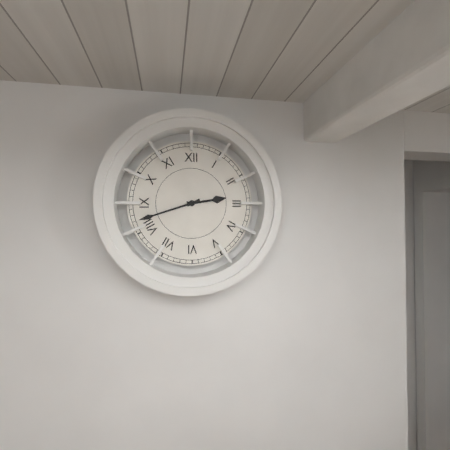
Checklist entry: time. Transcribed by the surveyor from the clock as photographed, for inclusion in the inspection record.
2:42
